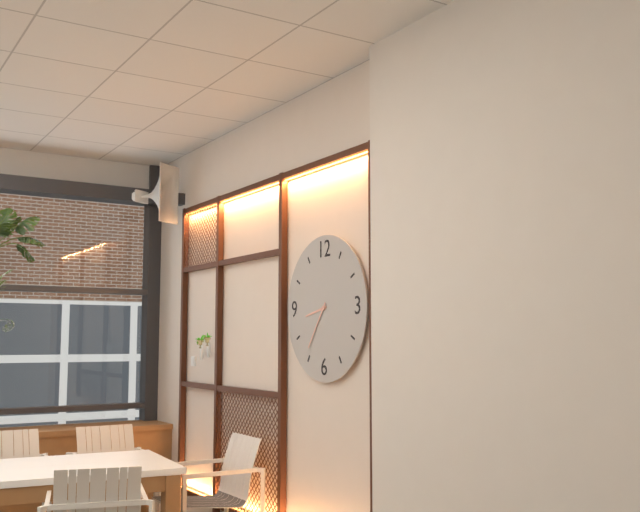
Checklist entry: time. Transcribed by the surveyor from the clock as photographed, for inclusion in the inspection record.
8:36
